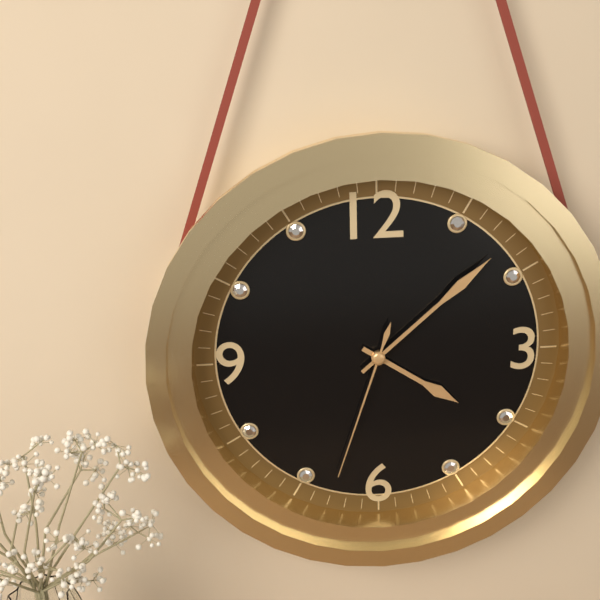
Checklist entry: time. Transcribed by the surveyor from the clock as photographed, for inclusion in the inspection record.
4:08:33
